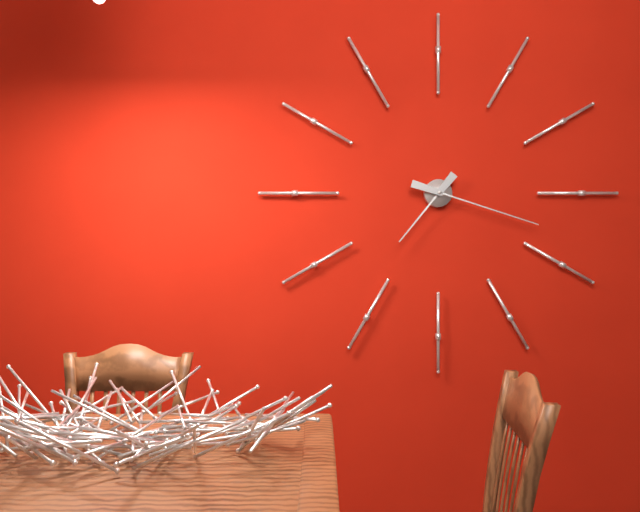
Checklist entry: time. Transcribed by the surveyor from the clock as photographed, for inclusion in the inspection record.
7:18
